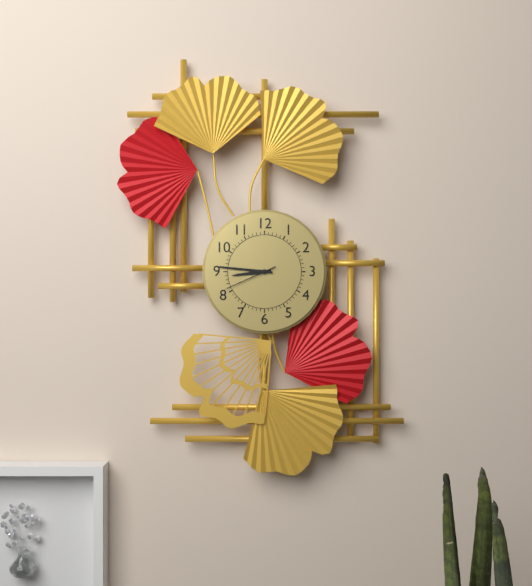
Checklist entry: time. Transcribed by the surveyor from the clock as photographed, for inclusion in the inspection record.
8:46:41
